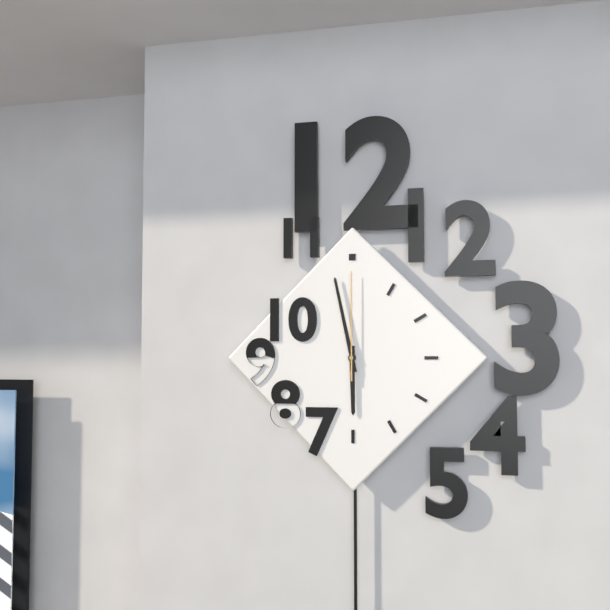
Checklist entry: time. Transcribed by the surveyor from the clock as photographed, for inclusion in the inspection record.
5:58:00
